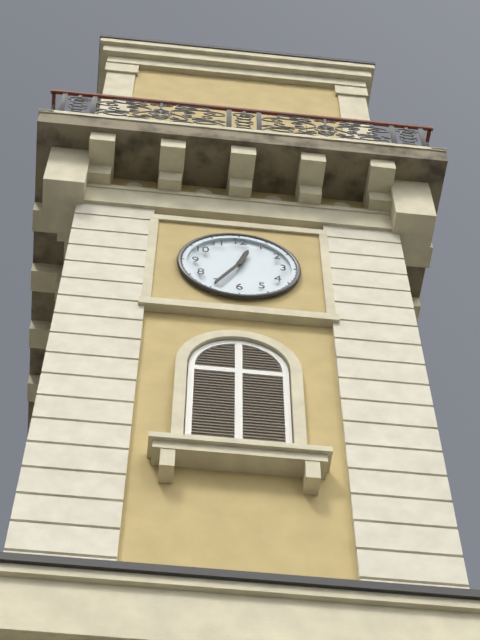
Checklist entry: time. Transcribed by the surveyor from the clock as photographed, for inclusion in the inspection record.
12:35
